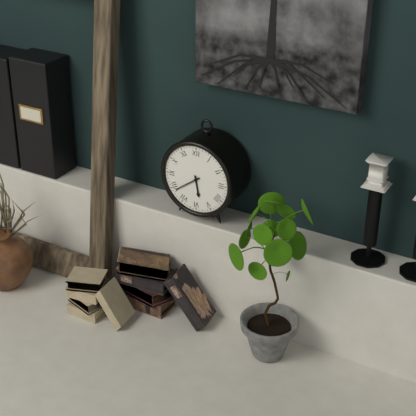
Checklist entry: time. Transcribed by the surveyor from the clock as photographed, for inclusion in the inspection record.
5:39
